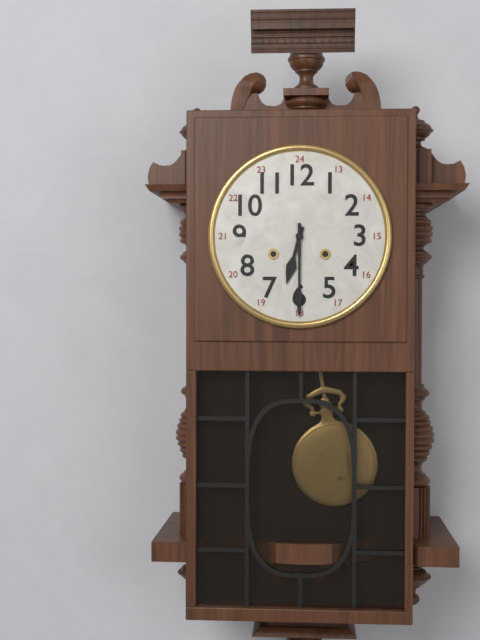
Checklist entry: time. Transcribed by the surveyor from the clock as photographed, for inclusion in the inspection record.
6:30
